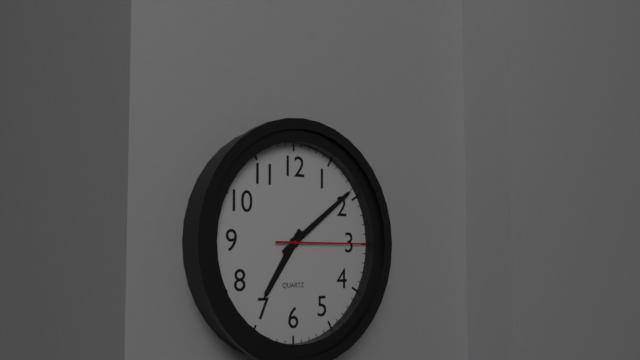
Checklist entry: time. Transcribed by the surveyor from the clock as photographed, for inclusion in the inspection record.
7:09:15
